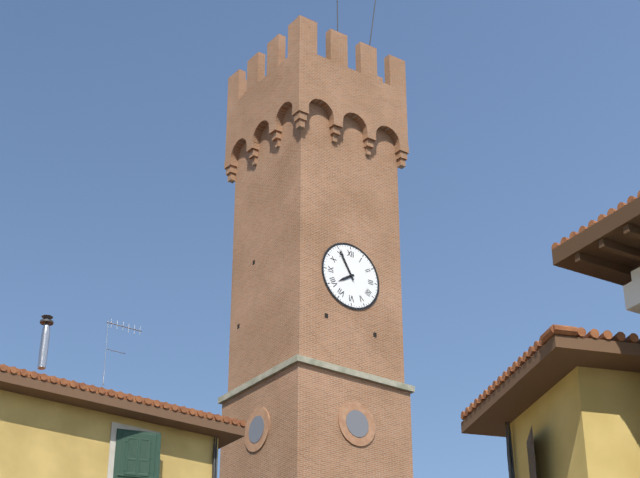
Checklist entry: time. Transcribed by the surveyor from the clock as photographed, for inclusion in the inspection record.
7:55
